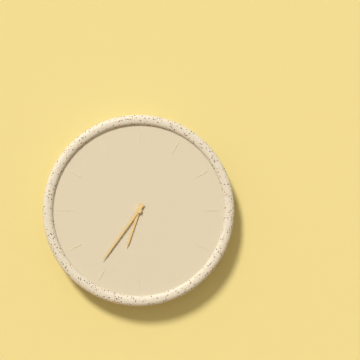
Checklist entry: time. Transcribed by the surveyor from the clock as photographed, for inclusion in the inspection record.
6:36
